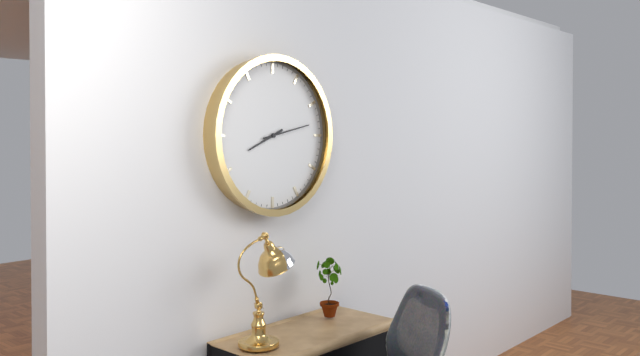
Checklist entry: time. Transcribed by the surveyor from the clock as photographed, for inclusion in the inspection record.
8:13
